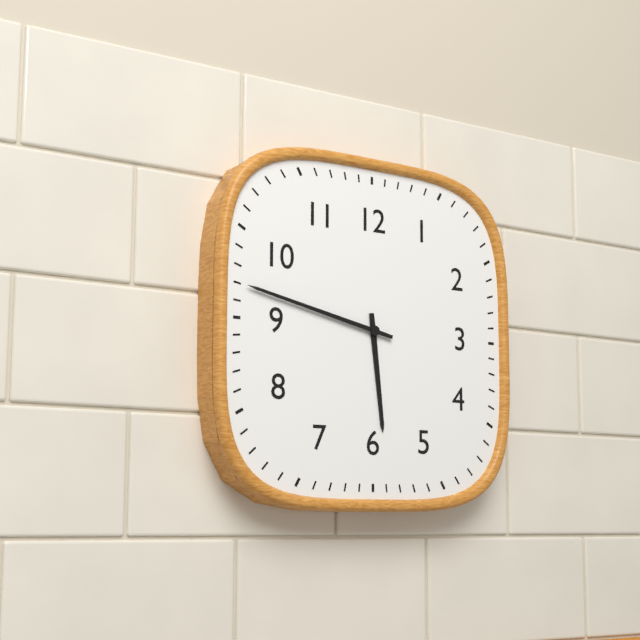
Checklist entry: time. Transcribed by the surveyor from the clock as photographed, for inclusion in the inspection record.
5:47
